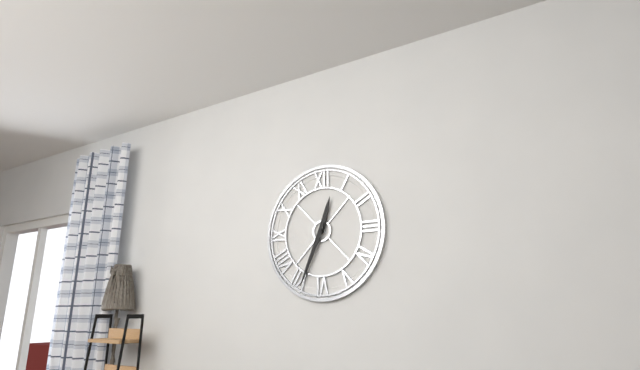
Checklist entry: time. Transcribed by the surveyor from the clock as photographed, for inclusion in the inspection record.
12:34
